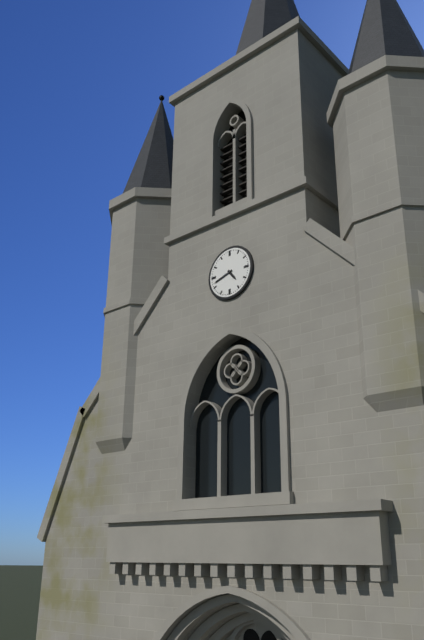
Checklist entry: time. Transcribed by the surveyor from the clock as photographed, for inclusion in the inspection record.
4:42
